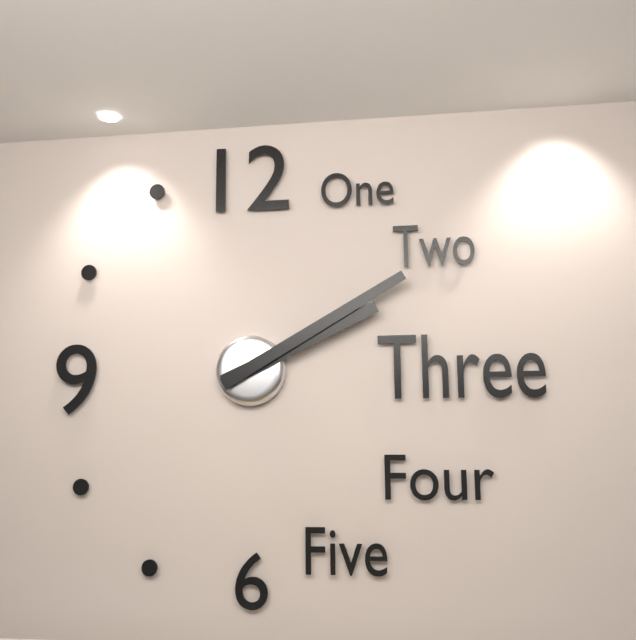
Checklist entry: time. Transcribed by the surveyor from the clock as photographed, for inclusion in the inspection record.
2:10
